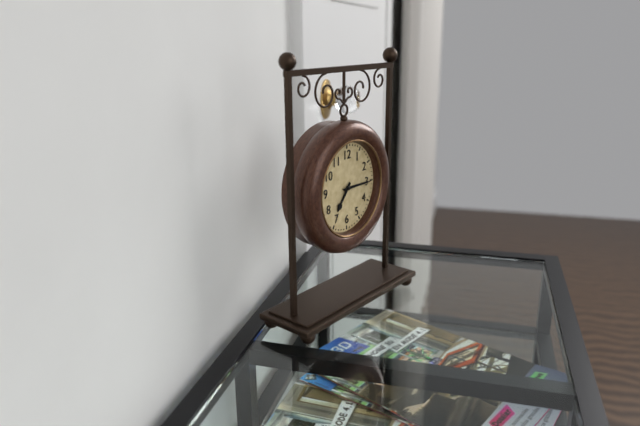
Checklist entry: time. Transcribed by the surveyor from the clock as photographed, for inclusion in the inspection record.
7:15
